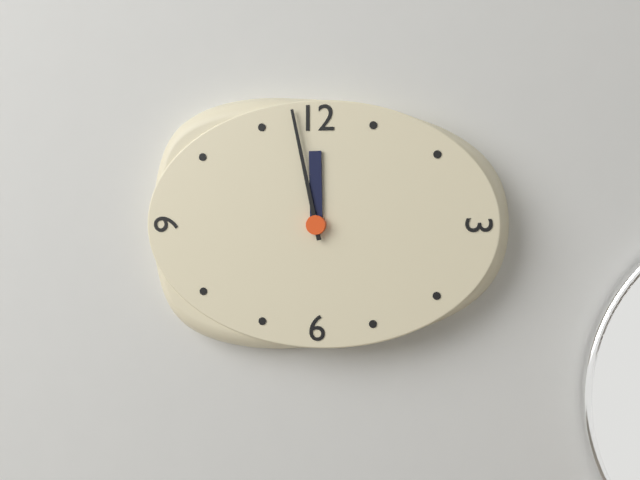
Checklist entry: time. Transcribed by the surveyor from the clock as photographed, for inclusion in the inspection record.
11:58
